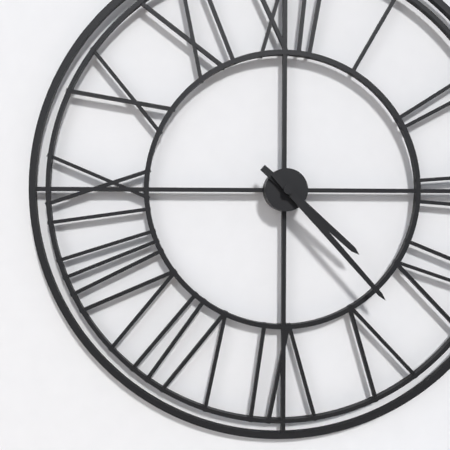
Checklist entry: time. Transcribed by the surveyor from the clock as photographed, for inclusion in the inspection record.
4:23
